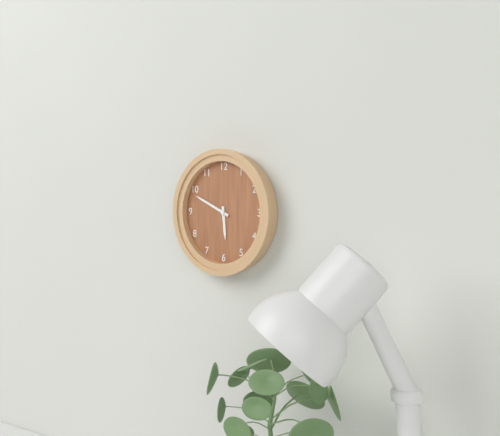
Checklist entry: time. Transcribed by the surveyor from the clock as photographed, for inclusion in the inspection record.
5:49
